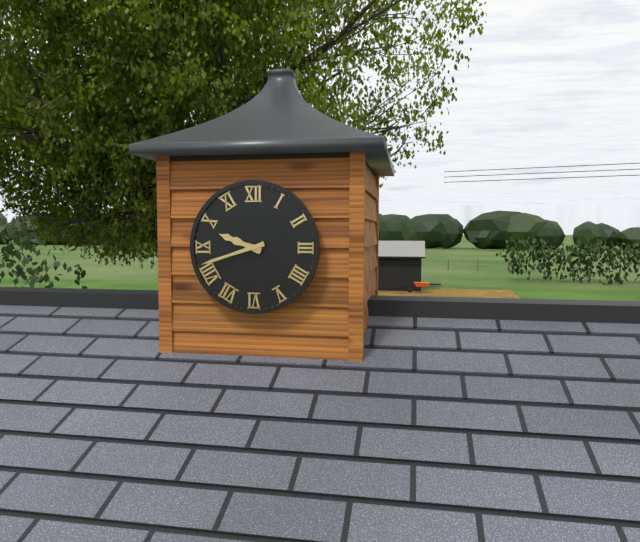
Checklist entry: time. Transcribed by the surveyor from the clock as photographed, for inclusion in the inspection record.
9:42
